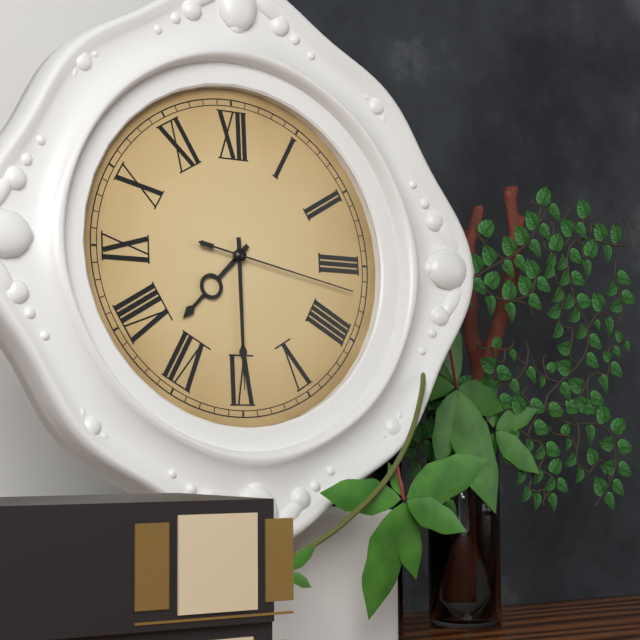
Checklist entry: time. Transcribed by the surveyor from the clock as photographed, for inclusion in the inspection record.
7:30:17
